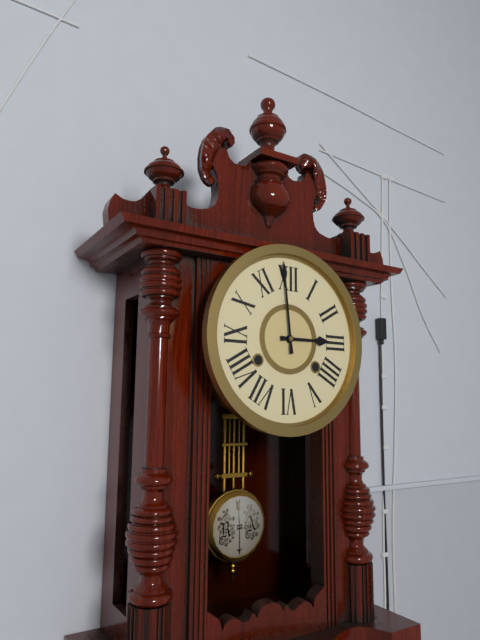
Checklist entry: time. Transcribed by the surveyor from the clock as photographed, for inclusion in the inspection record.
2:59
